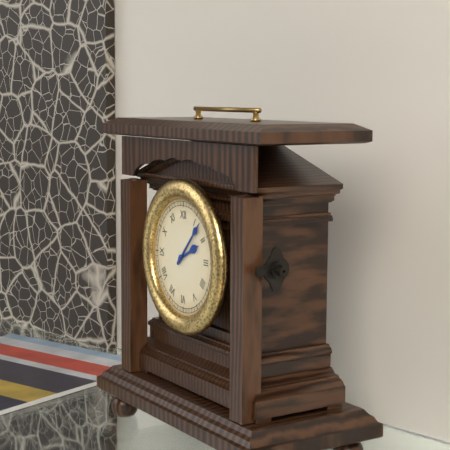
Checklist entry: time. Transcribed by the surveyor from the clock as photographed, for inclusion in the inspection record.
2:07
